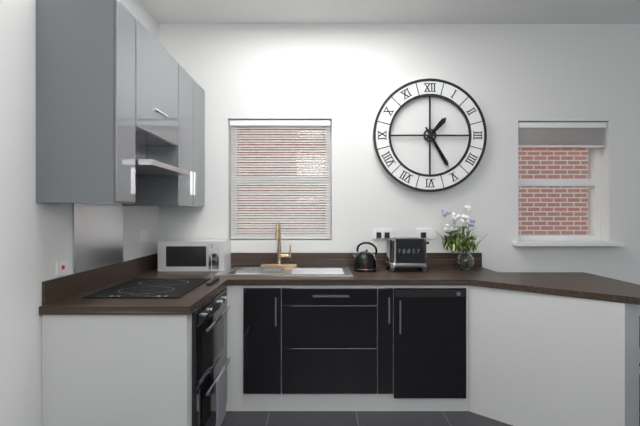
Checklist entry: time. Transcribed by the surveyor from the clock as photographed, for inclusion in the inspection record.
1:25
